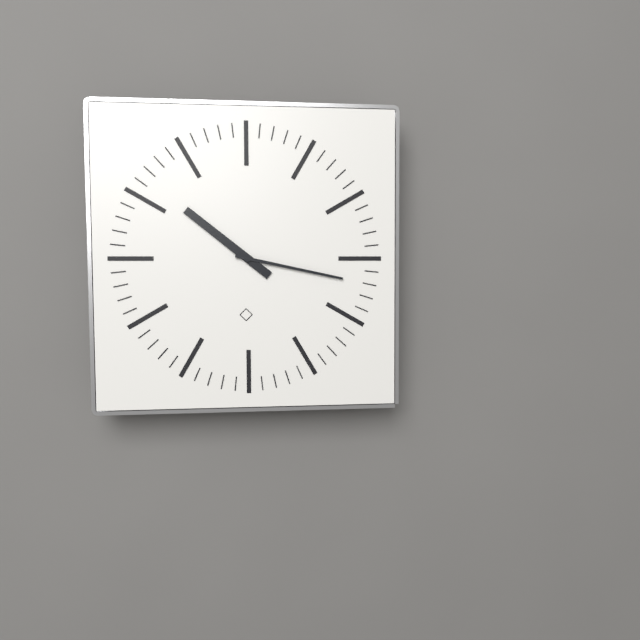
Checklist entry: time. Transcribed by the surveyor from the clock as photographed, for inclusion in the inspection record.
10:17
